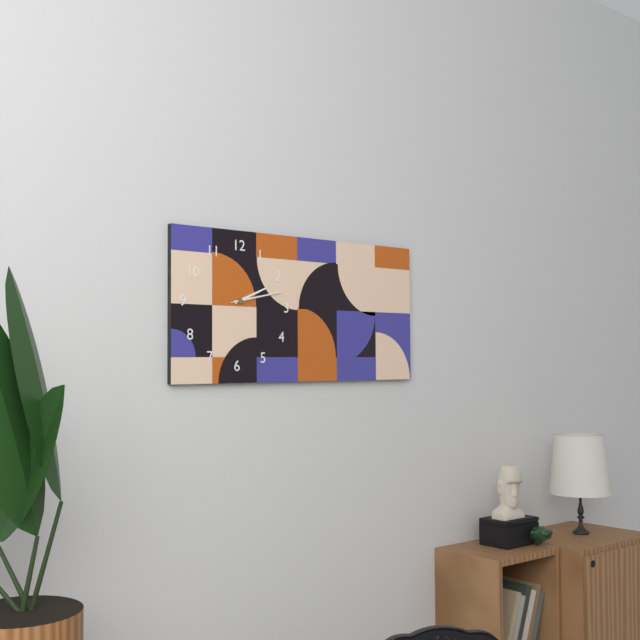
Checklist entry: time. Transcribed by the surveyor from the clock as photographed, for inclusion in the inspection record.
2:13
